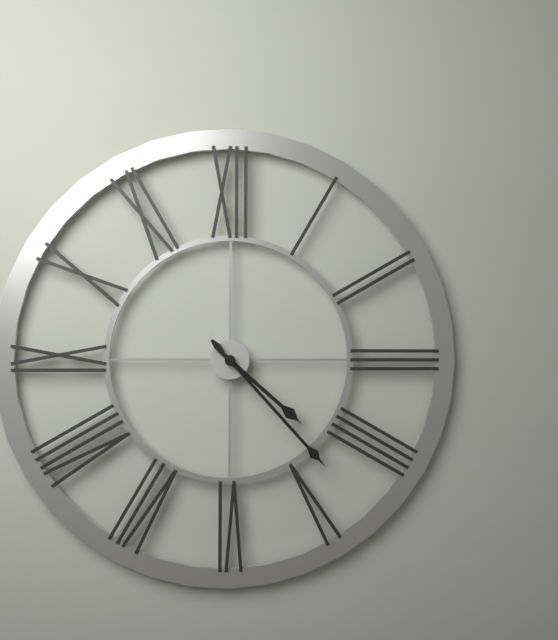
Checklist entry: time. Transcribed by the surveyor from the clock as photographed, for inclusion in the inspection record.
4:23
